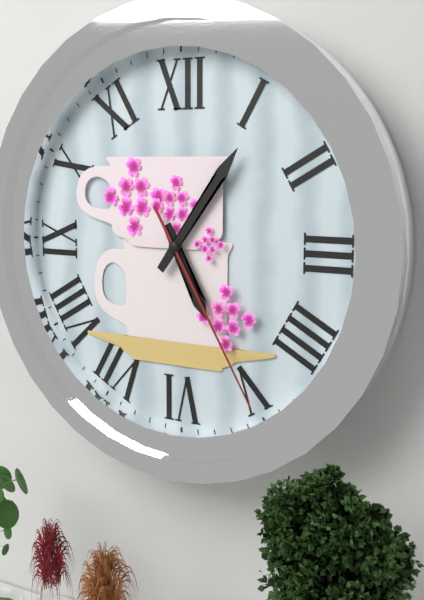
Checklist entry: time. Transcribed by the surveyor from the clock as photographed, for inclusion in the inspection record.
5:06:25
